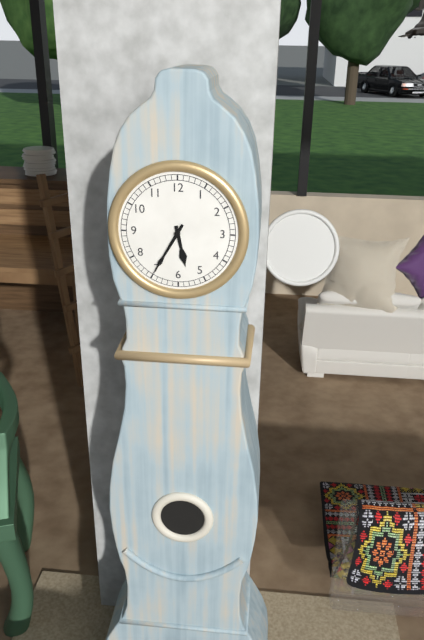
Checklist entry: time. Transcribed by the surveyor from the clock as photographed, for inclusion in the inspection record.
5:35
